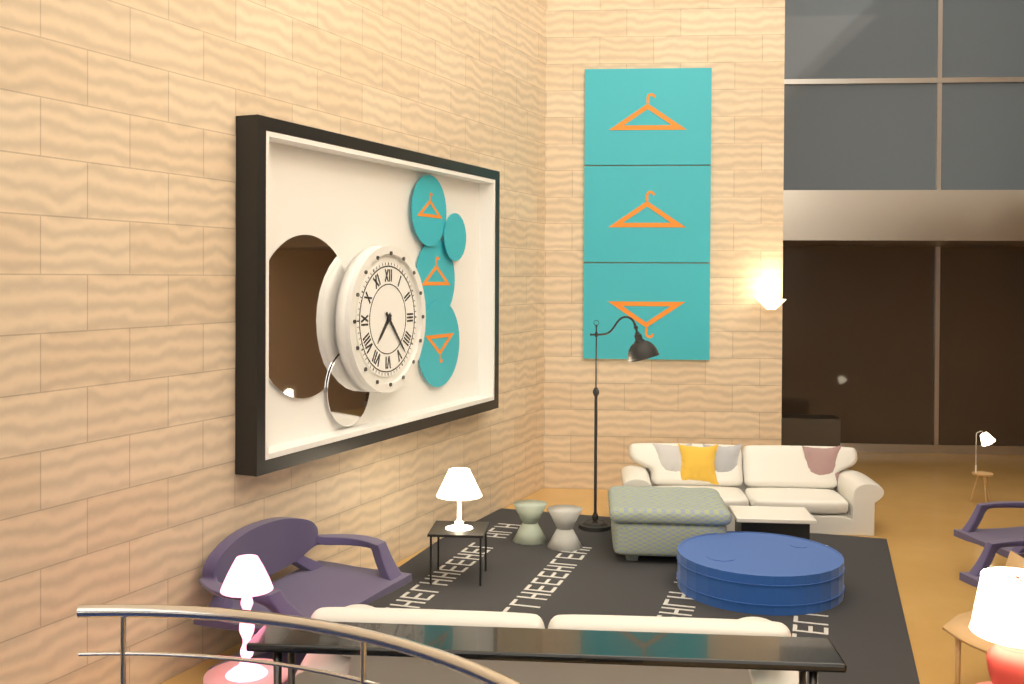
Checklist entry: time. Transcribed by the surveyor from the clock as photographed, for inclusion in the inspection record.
7:23
